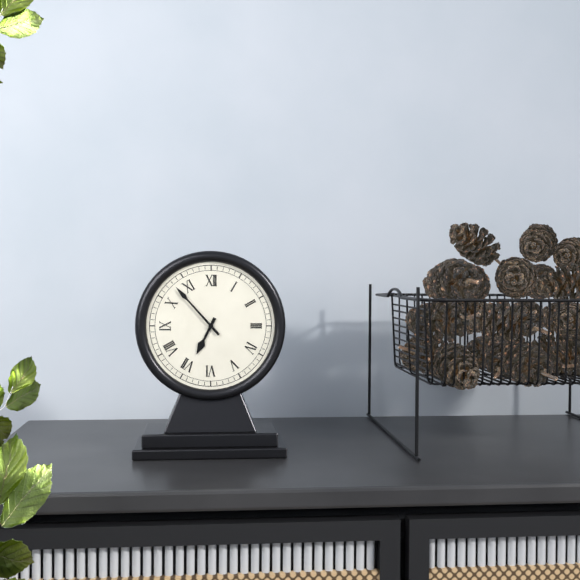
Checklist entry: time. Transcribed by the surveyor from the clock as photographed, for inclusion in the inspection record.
6:53
